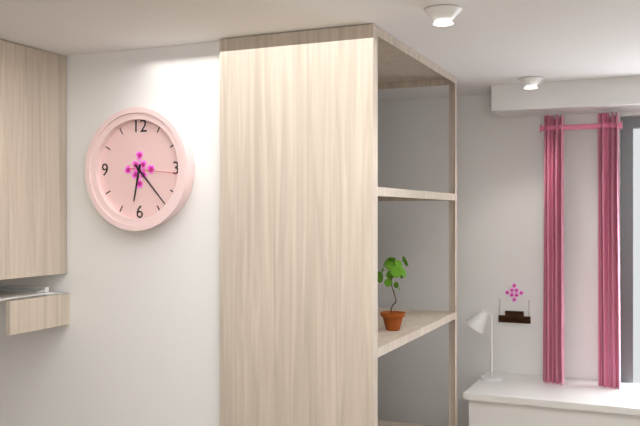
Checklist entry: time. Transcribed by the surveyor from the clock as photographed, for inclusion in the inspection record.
6:23:16
